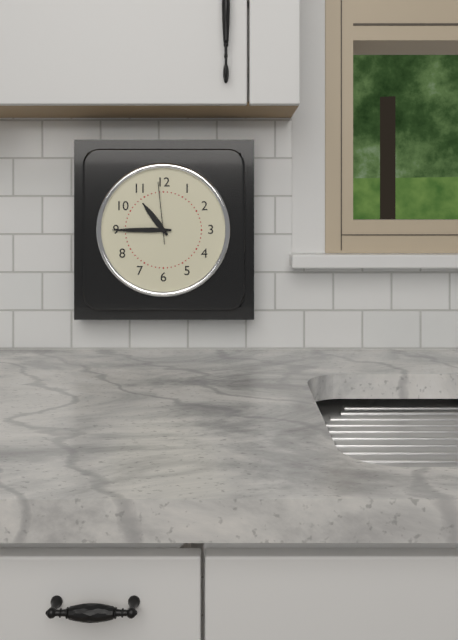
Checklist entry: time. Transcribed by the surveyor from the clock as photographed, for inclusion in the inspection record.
10:45:59
